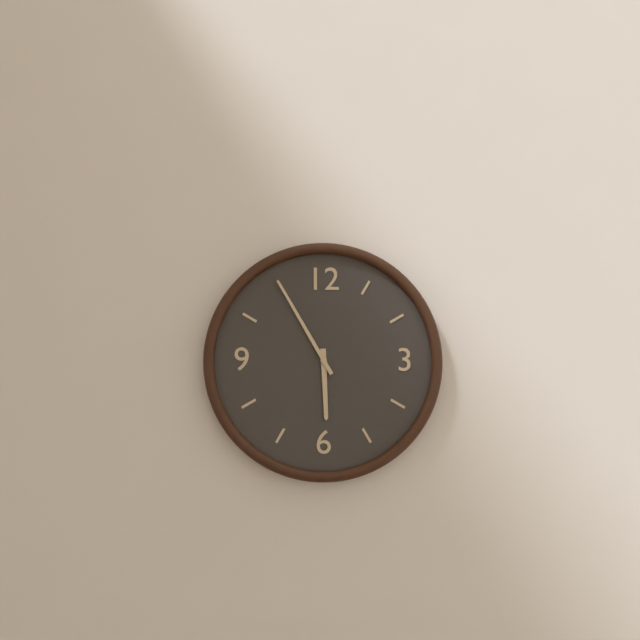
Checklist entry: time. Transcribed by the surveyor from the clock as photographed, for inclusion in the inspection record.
5:55
